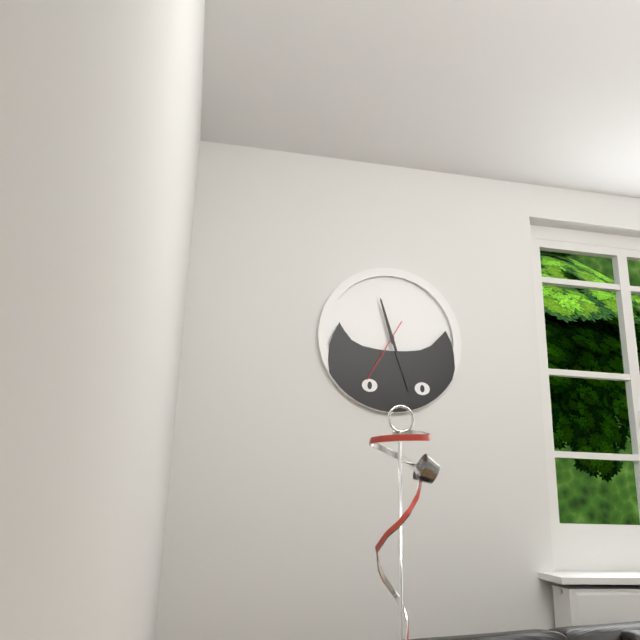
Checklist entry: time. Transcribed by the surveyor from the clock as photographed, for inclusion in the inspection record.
11:27:35
